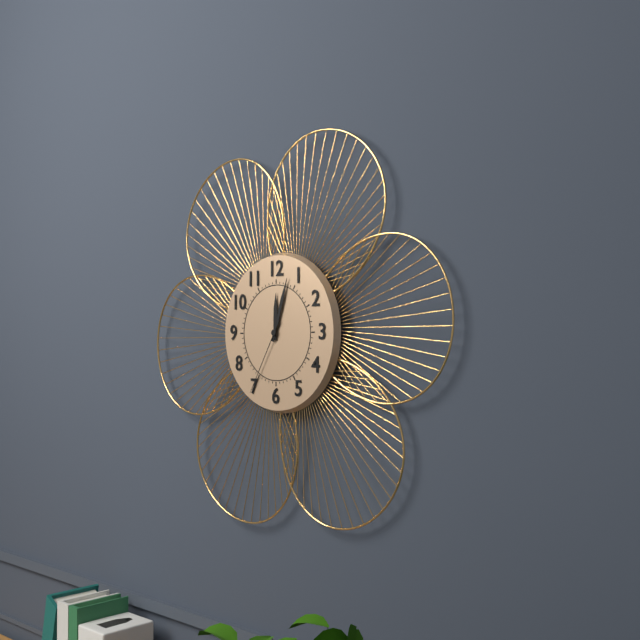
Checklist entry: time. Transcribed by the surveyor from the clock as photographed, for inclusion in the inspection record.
12:03:35
